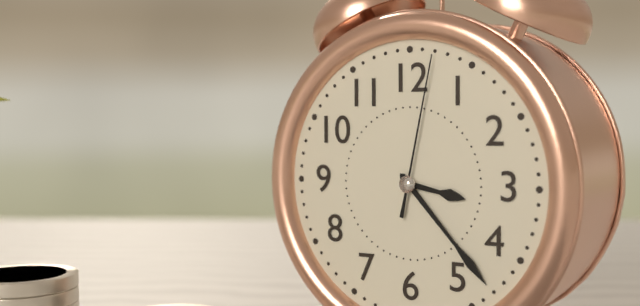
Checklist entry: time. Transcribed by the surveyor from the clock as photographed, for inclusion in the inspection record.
3:23:02
